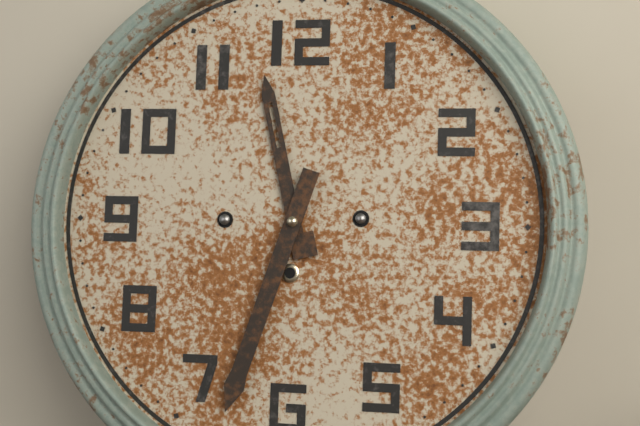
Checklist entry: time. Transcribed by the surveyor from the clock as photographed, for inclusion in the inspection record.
11:33
